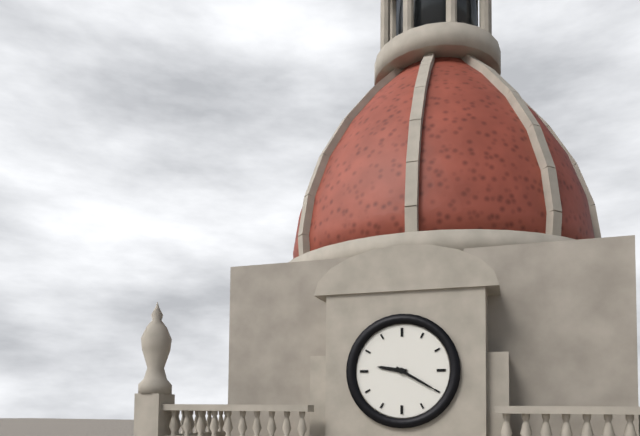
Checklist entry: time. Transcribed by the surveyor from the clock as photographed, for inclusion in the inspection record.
9:20
